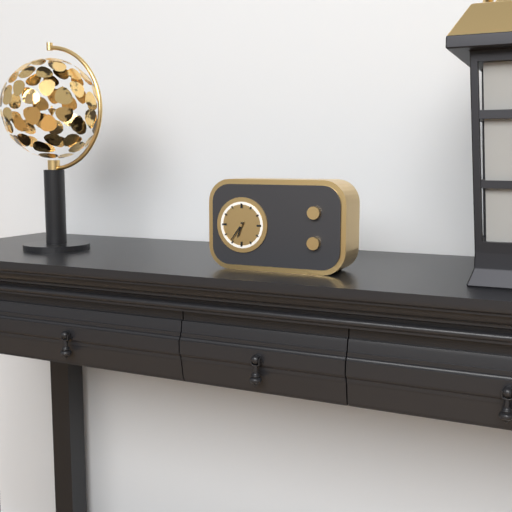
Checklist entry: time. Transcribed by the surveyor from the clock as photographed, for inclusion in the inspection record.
6:36
